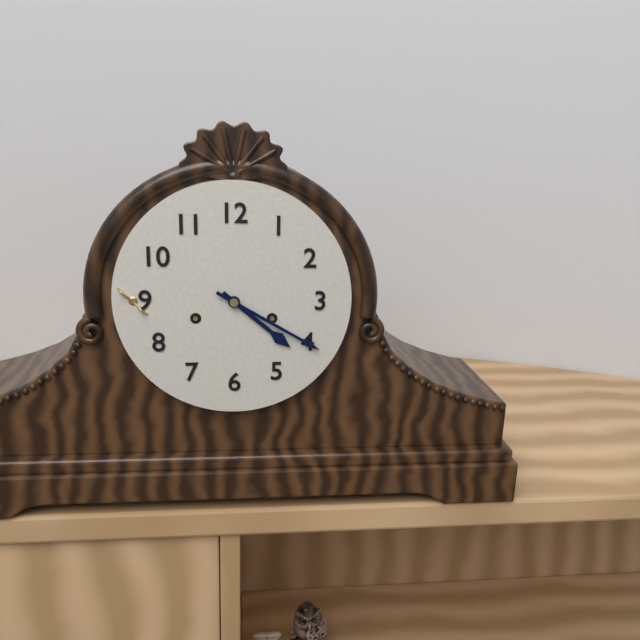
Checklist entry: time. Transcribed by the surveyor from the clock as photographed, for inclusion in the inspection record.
4:20
